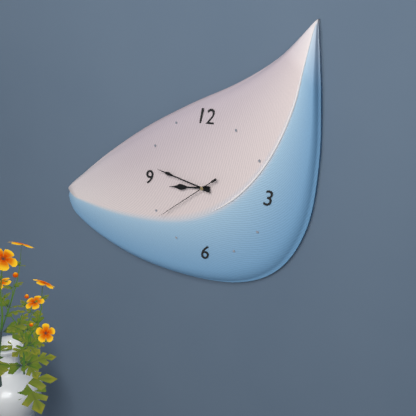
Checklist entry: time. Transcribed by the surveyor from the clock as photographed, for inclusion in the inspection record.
8:47:39
